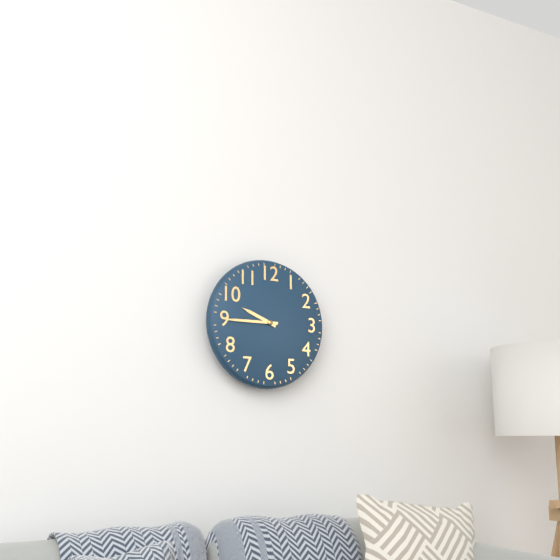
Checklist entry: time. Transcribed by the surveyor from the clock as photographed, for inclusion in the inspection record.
9:45
